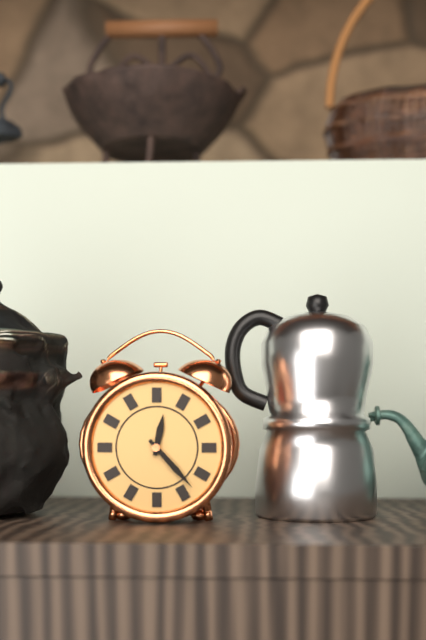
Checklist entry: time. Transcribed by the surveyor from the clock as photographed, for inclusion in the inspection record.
12:23
